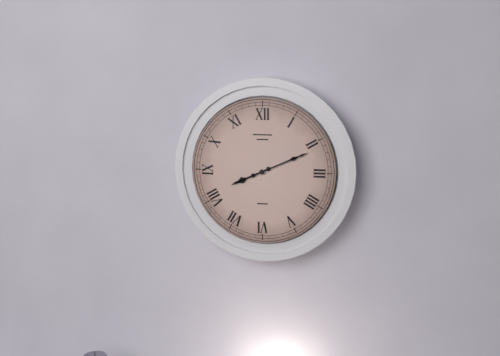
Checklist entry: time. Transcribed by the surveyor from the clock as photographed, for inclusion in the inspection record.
8:11
